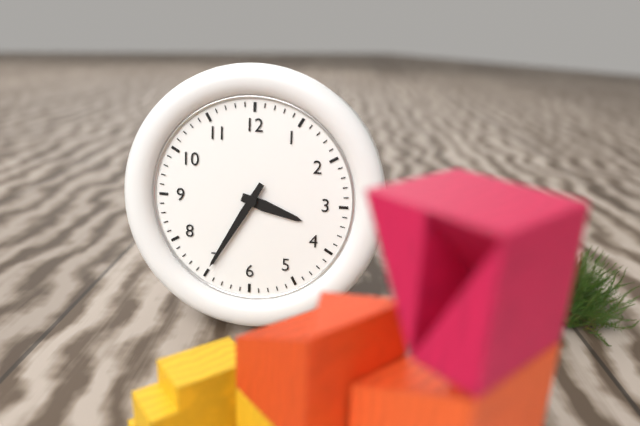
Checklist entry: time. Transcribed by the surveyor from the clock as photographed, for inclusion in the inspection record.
3:35
